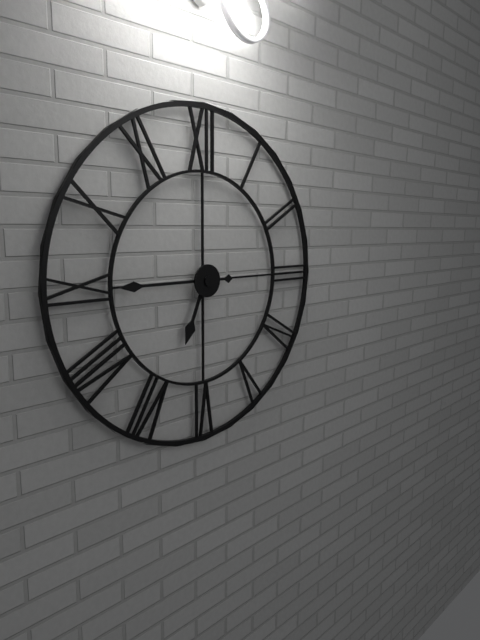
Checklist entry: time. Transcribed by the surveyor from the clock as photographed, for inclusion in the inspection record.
6:45
